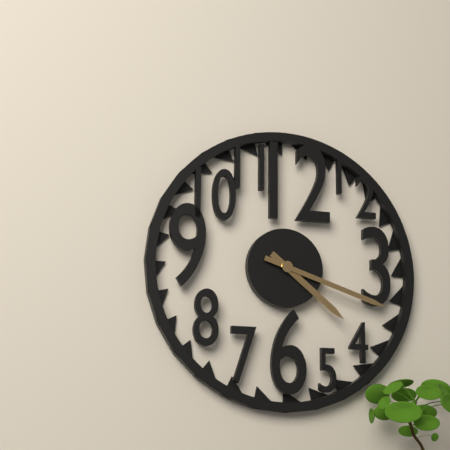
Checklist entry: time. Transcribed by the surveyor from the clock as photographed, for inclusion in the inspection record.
4:18
